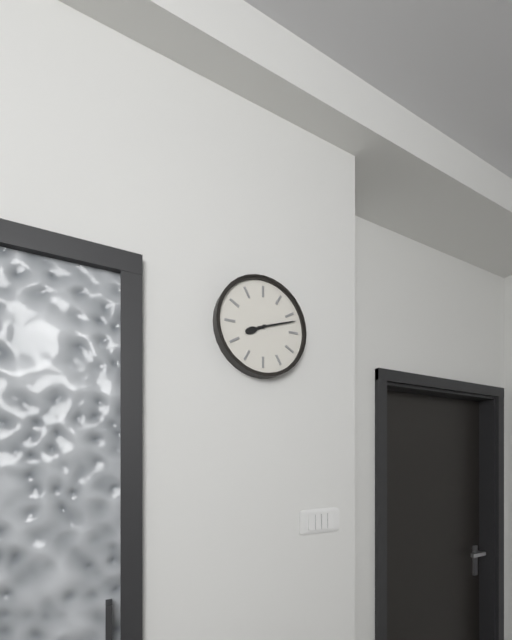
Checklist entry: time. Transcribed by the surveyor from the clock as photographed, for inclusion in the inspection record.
8:12
